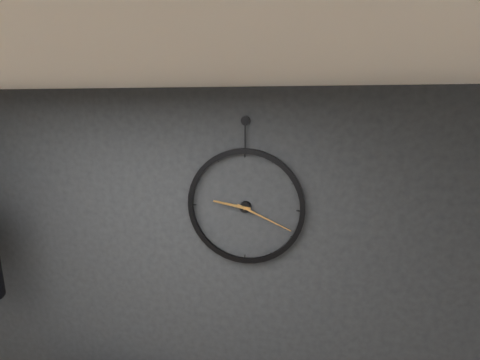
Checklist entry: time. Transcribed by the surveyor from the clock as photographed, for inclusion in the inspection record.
9:19
